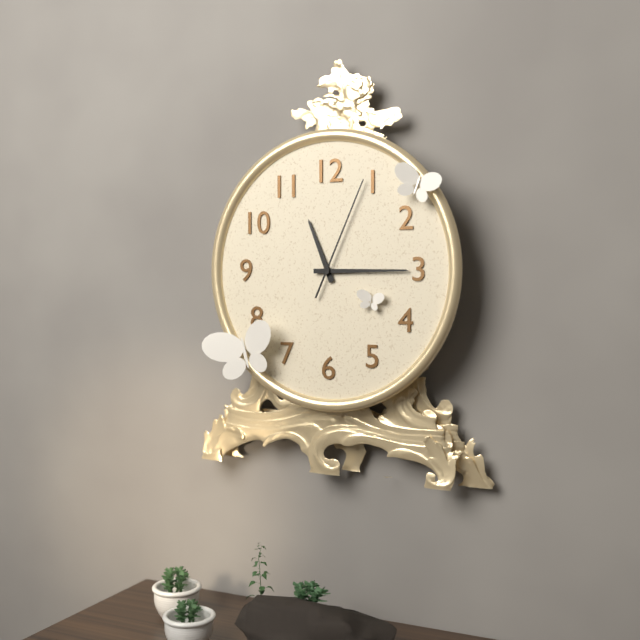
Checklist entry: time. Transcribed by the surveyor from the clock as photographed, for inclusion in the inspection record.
11:15:04
